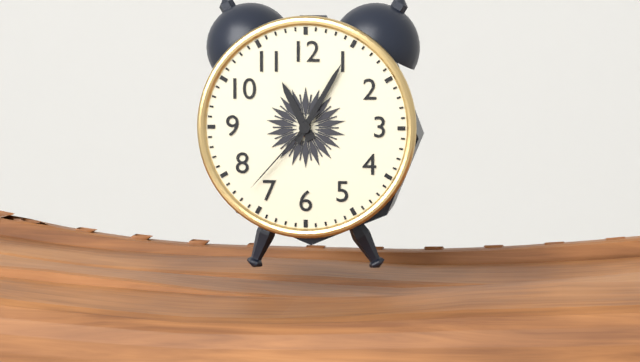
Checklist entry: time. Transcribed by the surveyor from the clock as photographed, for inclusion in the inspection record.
11:05:37
